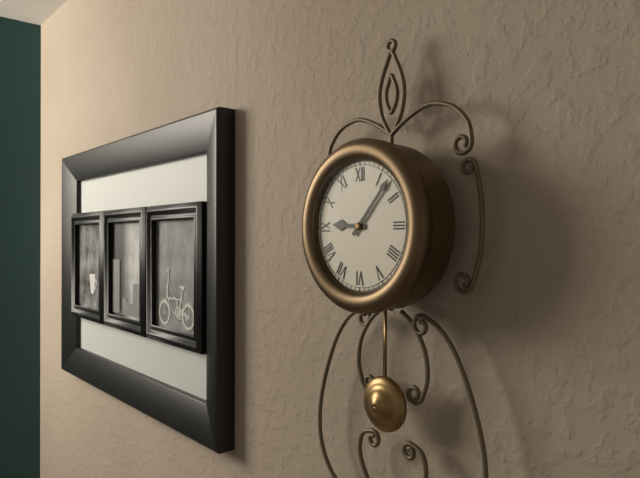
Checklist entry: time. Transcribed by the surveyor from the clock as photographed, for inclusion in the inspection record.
9:07
